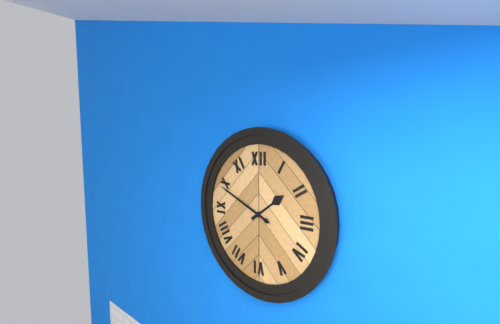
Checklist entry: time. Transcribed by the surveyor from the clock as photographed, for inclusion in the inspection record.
1:49
